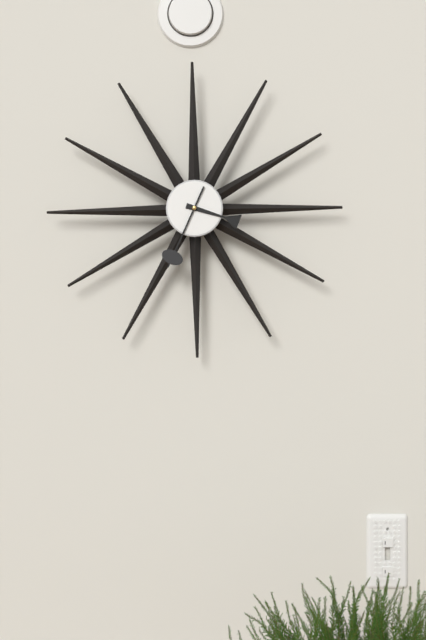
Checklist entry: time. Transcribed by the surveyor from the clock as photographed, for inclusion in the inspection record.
3:34
